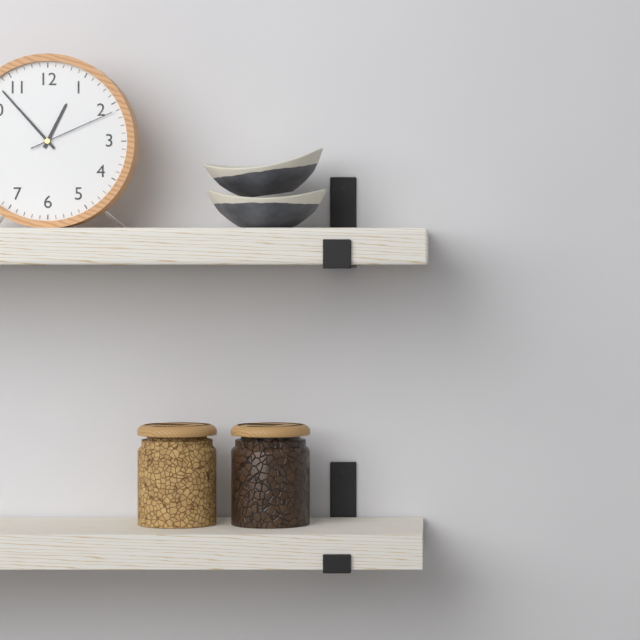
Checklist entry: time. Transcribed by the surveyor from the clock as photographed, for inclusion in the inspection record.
12:53:11
